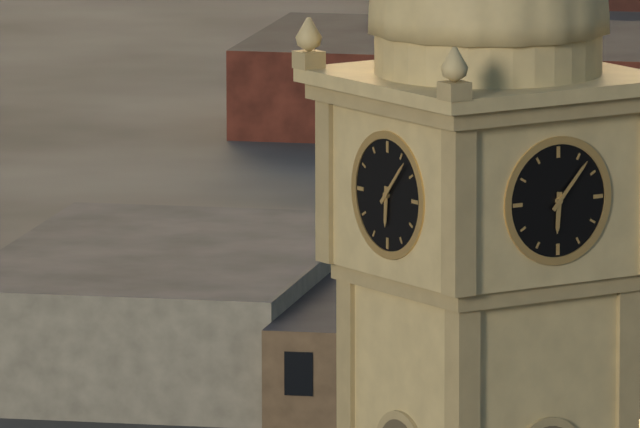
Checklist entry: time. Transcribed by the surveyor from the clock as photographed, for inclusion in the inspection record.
6:07
